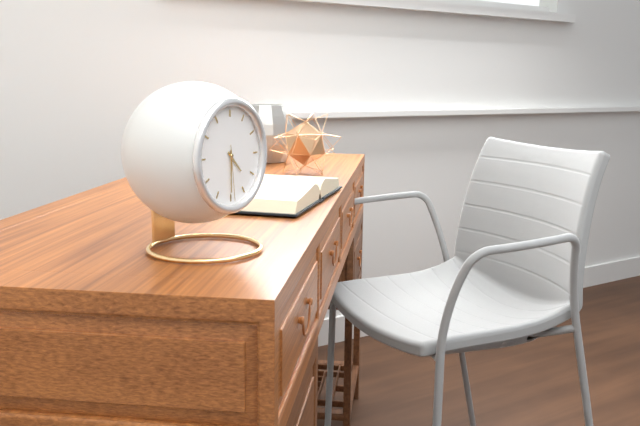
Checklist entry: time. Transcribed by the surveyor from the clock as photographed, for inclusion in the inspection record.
4:30:29
